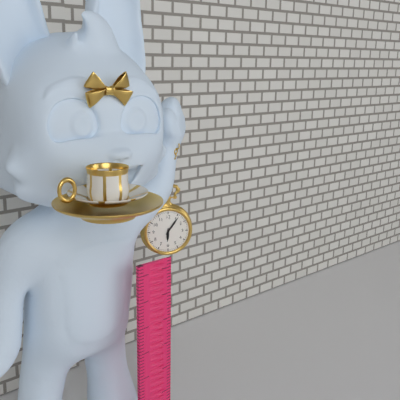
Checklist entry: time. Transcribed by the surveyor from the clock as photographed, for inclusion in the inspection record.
6:06
